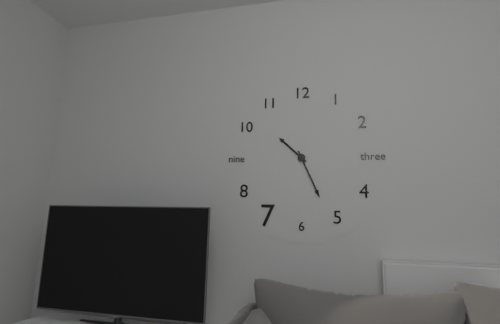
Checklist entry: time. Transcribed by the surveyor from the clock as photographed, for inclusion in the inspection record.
10:26
